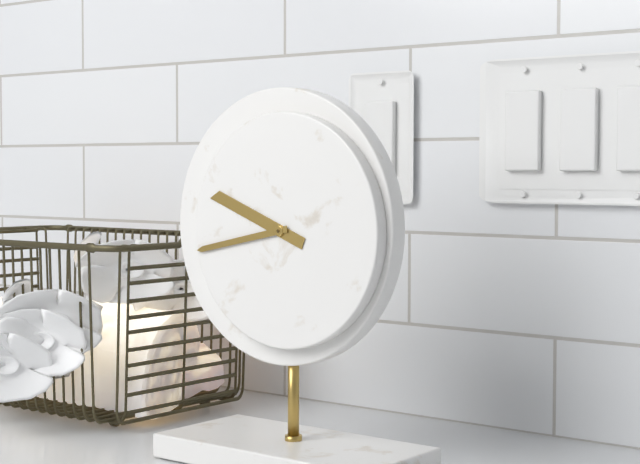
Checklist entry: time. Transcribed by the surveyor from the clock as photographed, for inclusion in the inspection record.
9:43
